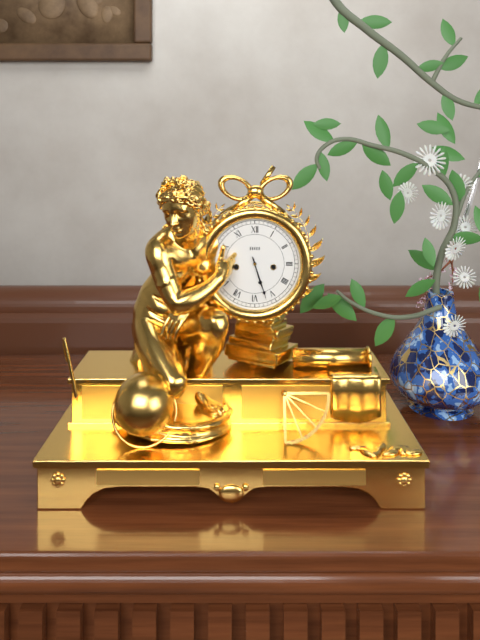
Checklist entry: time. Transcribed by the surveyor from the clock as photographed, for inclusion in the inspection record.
5:27
